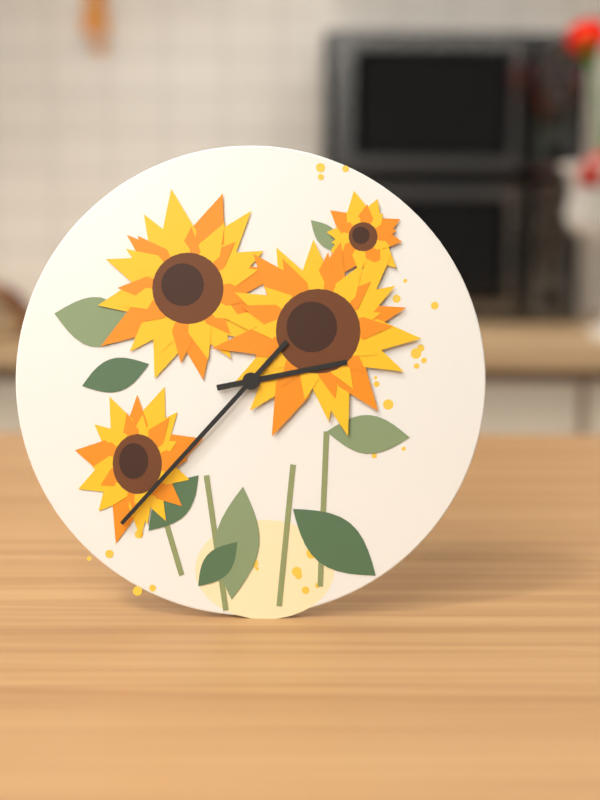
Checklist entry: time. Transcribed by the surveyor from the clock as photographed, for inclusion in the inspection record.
2:37
